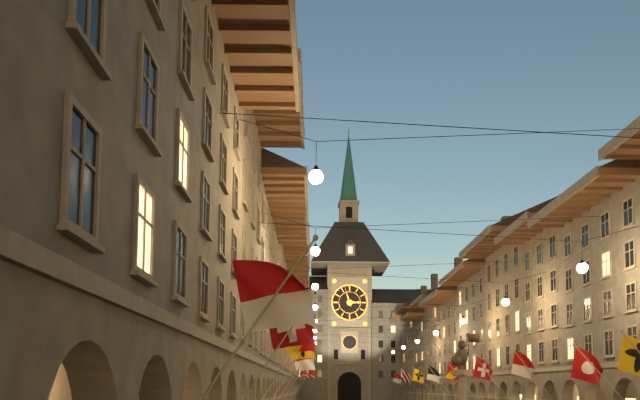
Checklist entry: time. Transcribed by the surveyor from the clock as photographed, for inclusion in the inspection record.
2:57
